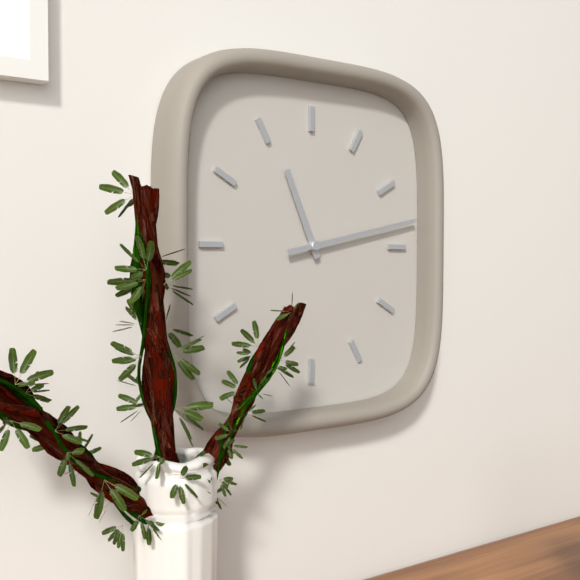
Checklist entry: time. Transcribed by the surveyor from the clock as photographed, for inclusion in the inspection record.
11:13
